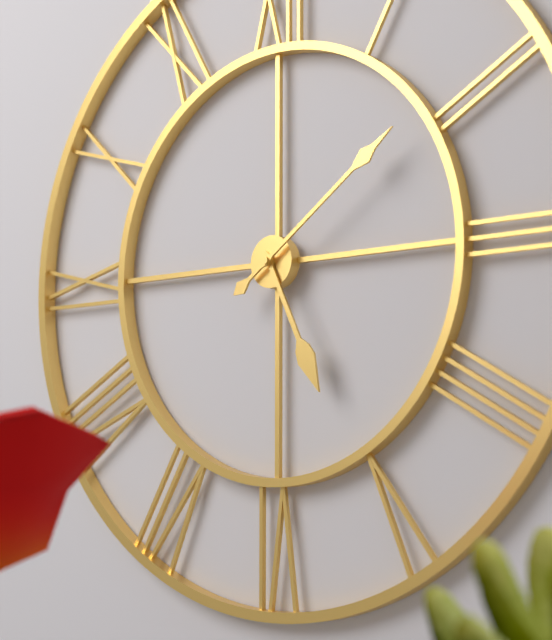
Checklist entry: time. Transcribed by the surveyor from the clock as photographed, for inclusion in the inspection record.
5:09
